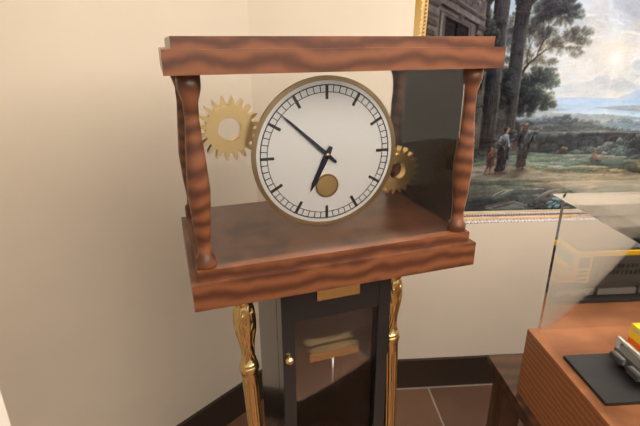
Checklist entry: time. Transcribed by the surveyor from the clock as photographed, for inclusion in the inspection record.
6:52
